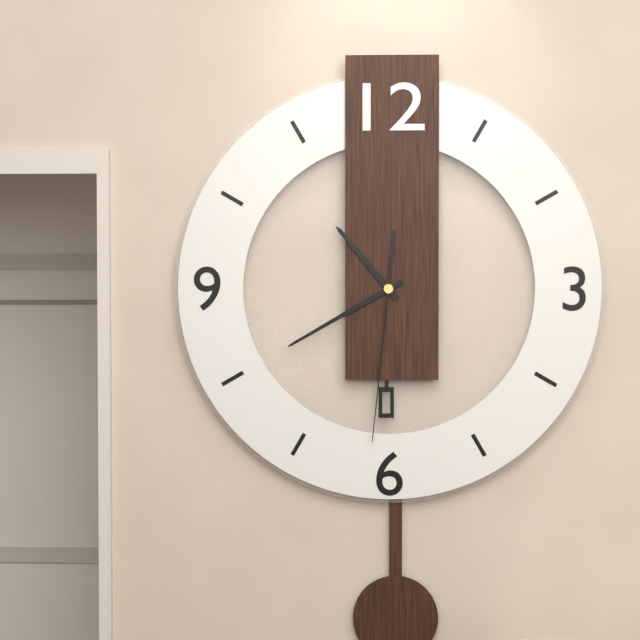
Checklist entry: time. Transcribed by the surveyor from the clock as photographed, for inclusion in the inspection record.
10:40:31
